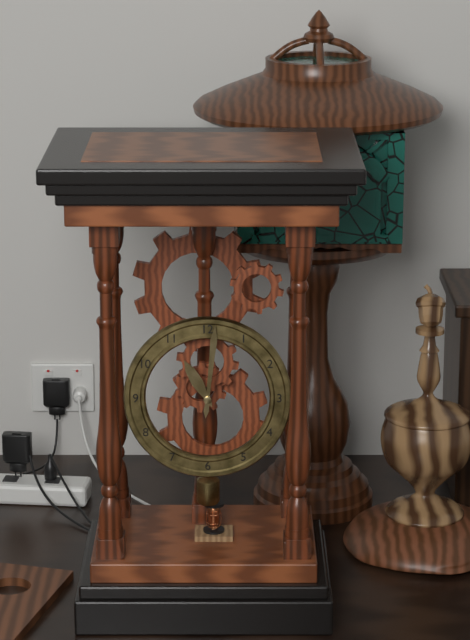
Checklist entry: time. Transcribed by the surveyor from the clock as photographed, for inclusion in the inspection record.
11:01
